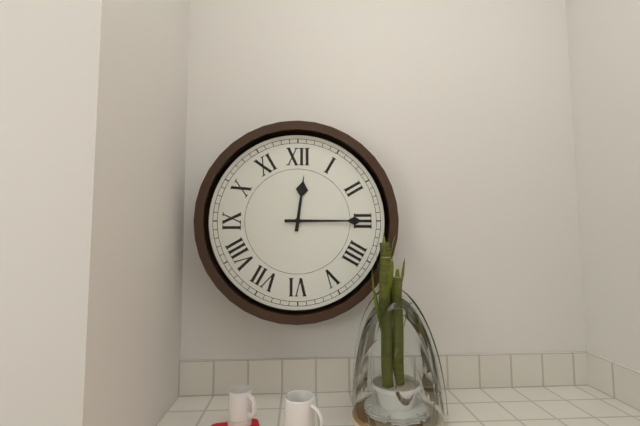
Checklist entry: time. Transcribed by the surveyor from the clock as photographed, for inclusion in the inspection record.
12:15
